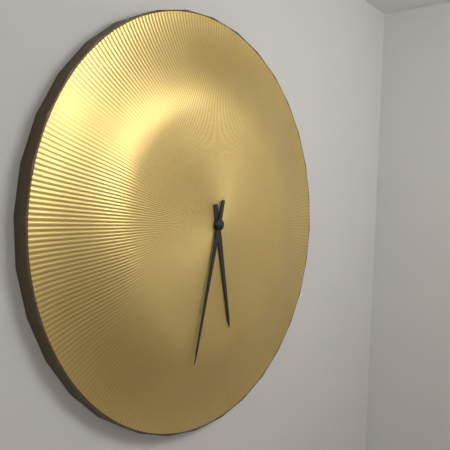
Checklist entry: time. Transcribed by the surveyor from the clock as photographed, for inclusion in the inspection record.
5:32
